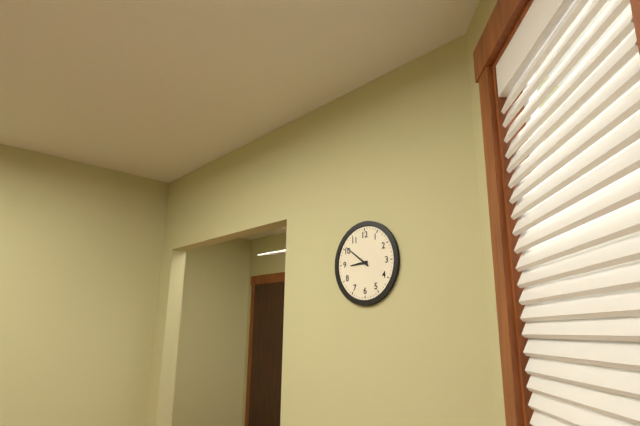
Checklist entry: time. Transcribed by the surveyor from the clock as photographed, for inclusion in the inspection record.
8:51
